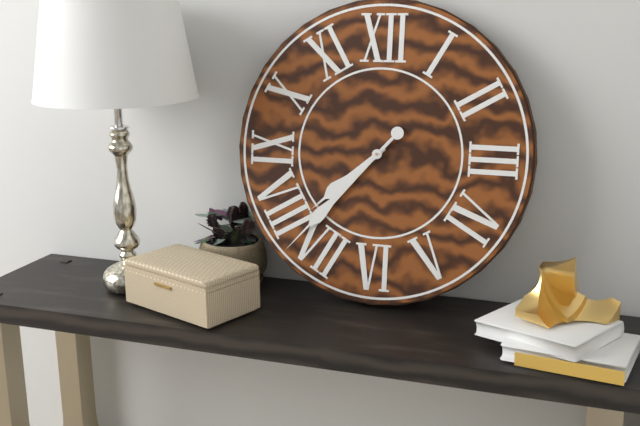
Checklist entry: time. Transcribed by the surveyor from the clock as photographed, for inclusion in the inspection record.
7:37
